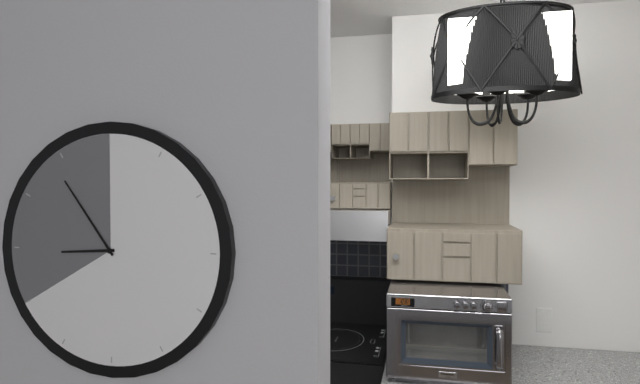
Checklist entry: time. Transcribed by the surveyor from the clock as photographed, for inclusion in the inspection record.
8:54
